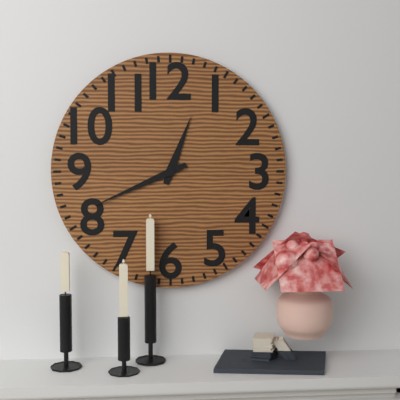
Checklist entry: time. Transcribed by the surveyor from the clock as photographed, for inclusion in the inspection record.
12:41
